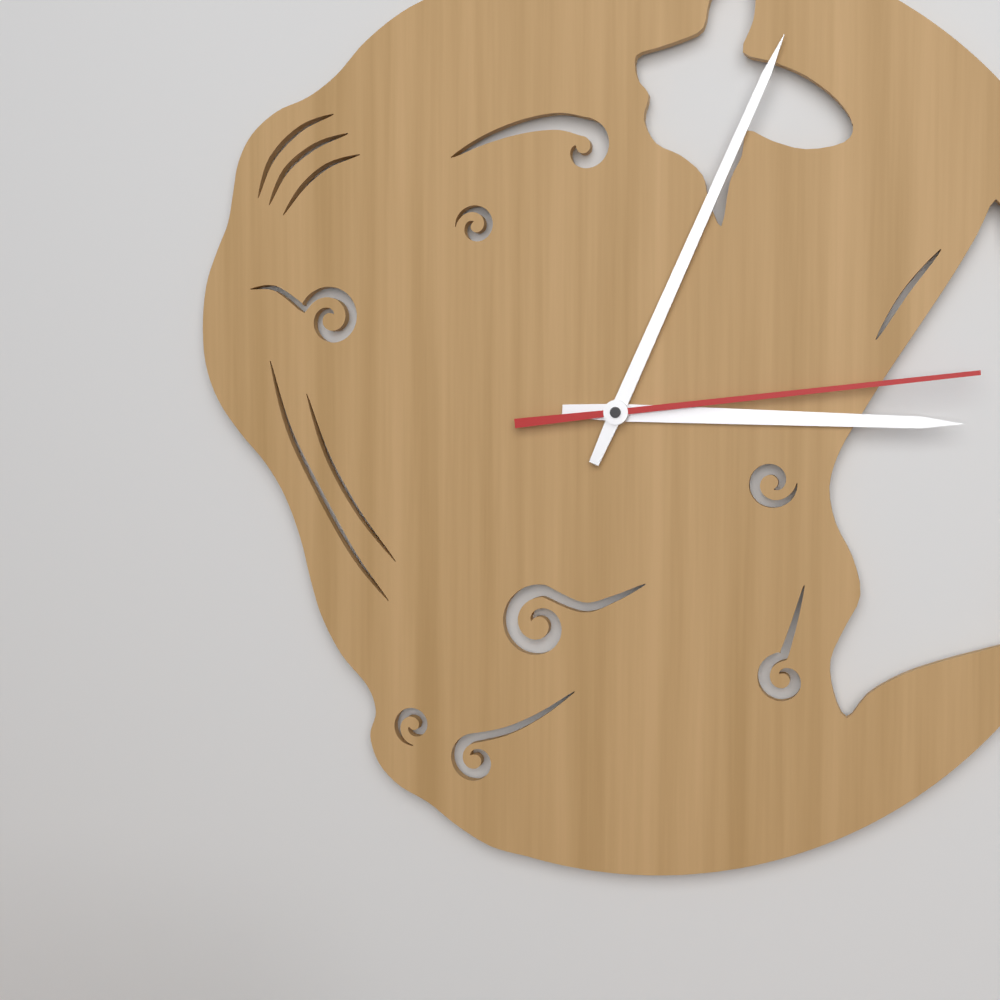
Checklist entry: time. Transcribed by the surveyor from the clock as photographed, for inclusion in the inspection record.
3:04:14
